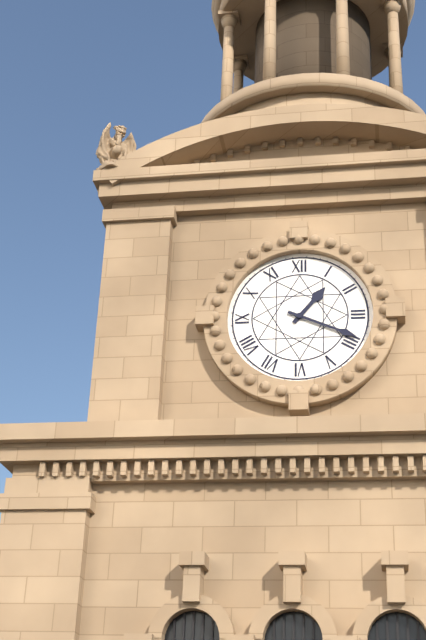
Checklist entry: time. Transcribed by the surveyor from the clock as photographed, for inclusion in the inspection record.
1:19
